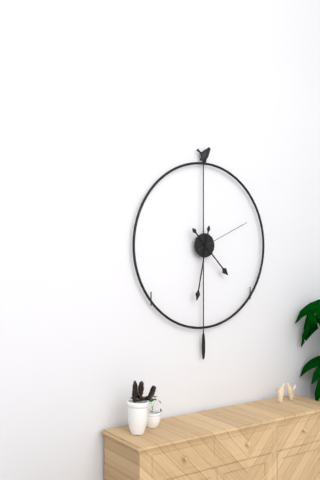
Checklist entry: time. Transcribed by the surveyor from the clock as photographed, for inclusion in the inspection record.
4:32:11
